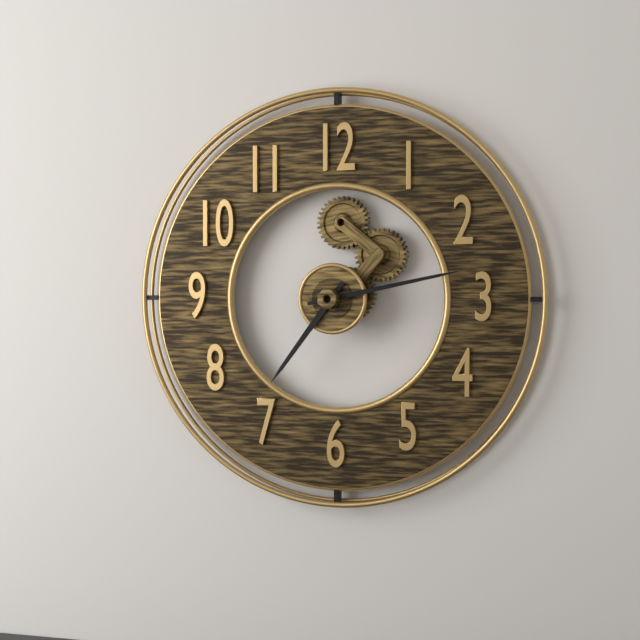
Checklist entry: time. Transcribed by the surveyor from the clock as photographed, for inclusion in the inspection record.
7:13
